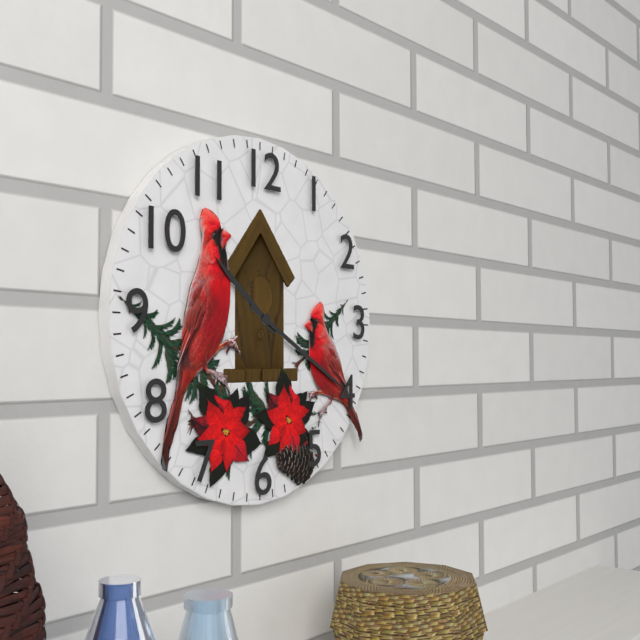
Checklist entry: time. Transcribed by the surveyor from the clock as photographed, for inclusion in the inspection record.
10:20
